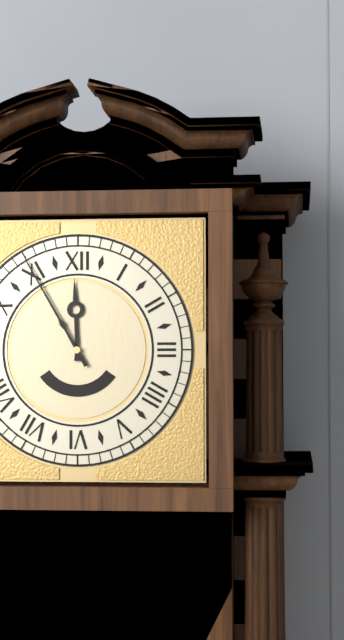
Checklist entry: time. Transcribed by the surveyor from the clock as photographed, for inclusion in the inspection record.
11:55
